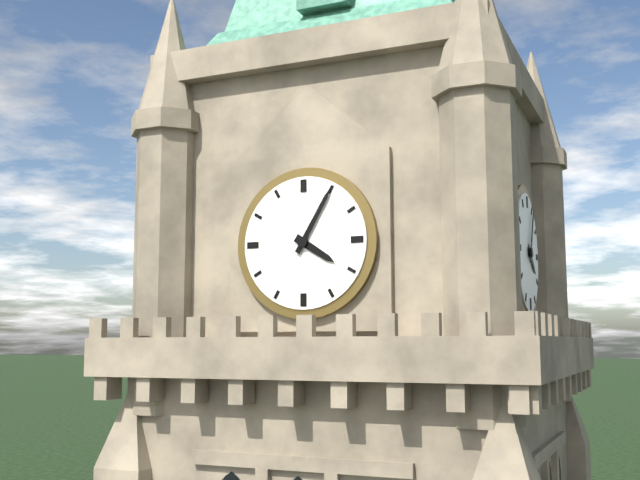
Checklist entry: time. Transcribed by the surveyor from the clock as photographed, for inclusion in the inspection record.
4:05
